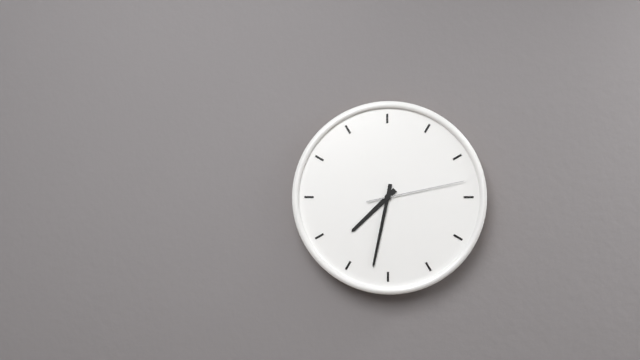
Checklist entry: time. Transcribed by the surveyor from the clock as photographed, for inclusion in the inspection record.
7:32:13
